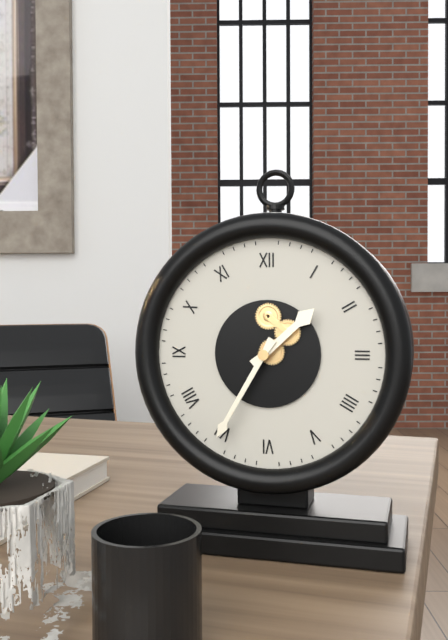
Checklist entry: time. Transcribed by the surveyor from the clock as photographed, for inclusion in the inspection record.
1:35
